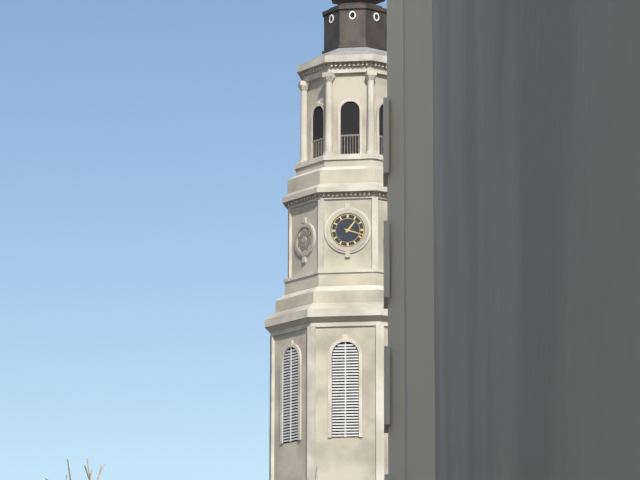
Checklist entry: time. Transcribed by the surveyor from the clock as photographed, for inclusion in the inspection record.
1:18
